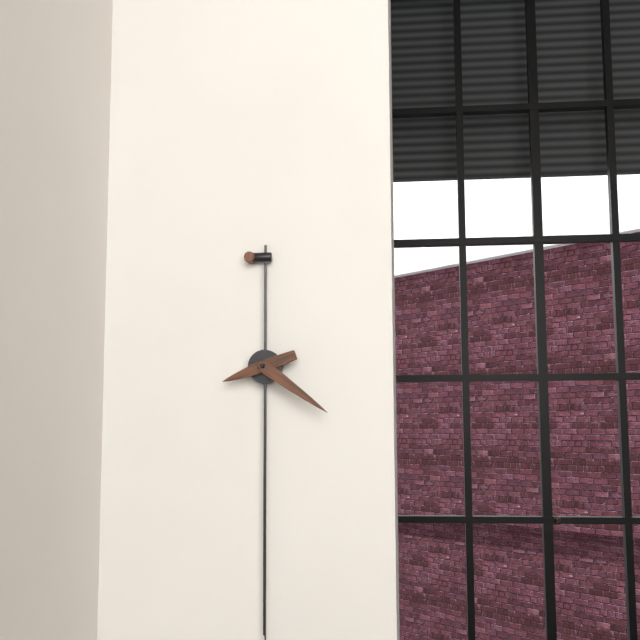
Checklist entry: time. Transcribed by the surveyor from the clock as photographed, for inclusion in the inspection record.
8:21
